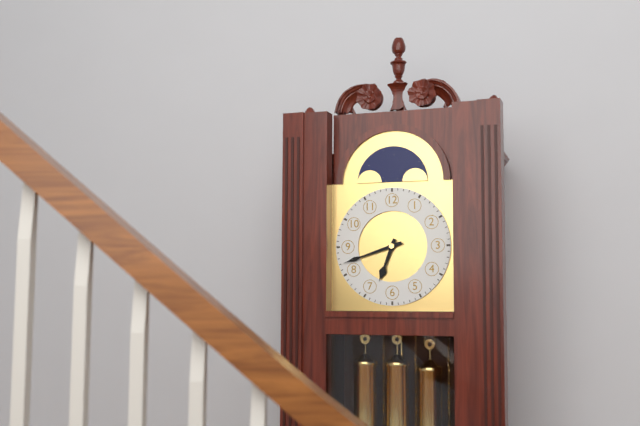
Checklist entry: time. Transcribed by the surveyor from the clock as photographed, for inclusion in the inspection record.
6:42
